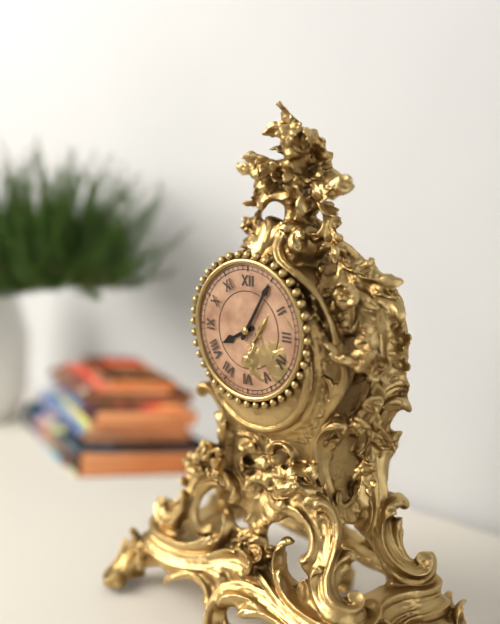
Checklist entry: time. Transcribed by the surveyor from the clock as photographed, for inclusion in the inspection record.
8:05
